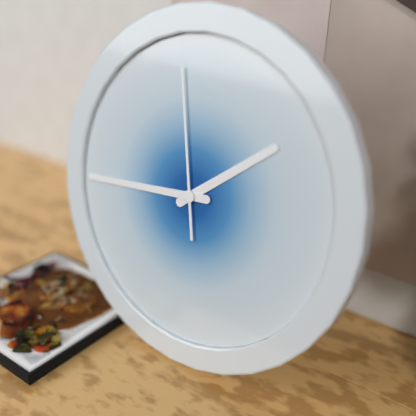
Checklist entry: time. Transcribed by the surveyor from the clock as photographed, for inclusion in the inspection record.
1:44:58
